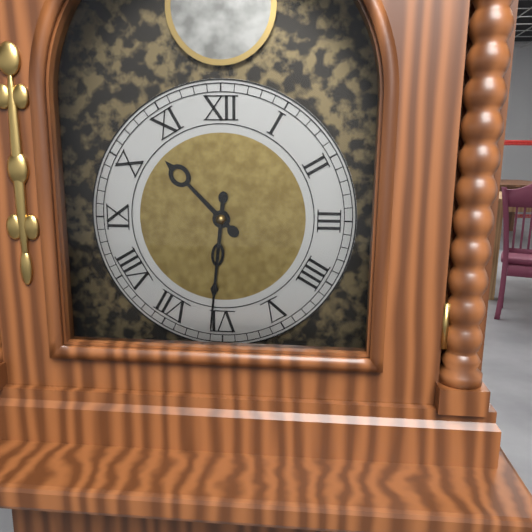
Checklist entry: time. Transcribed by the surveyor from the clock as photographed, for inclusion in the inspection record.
10:31
